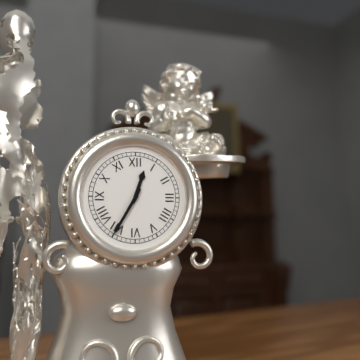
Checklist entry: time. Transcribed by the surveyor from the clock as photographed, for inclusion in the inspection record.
12:35
